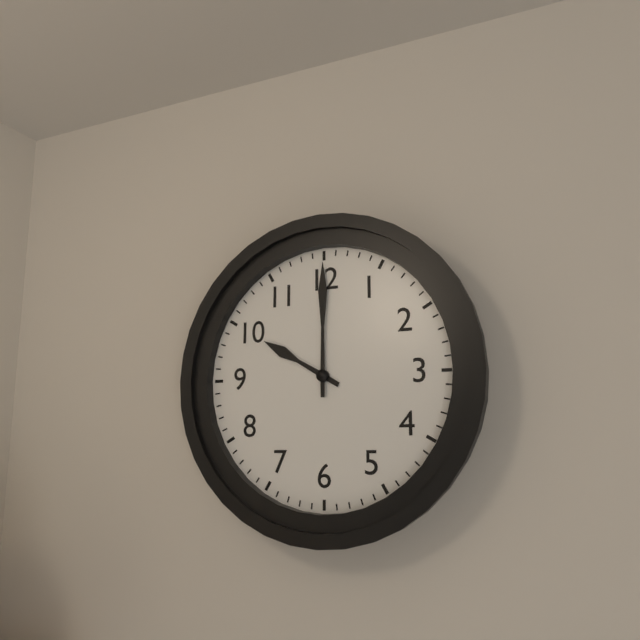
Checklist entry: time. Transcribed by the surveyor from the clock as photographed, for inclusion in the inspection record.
10:00
